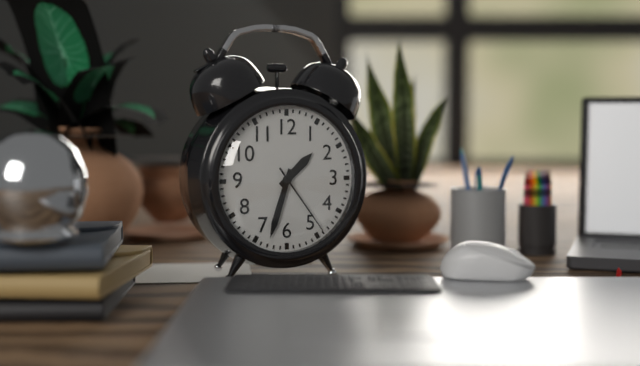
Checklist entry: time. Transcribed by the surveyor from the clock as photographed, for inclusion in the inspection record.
1:33:24
